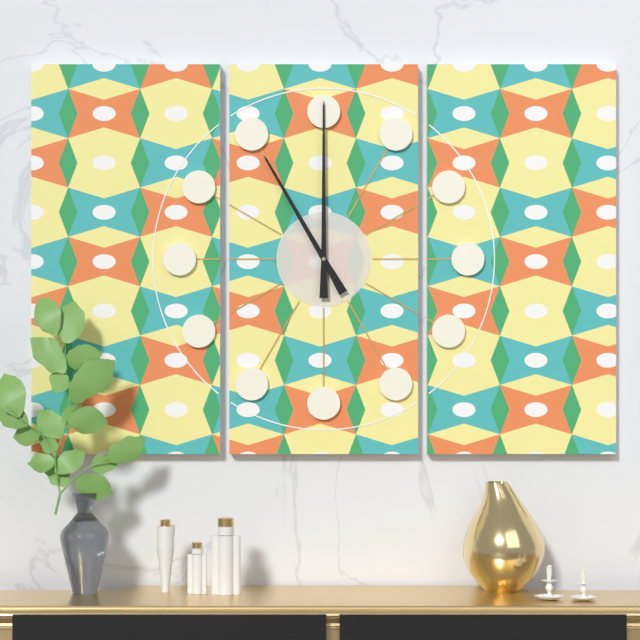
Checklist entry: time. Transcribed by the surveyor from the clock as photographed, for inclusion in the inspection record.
11:00
